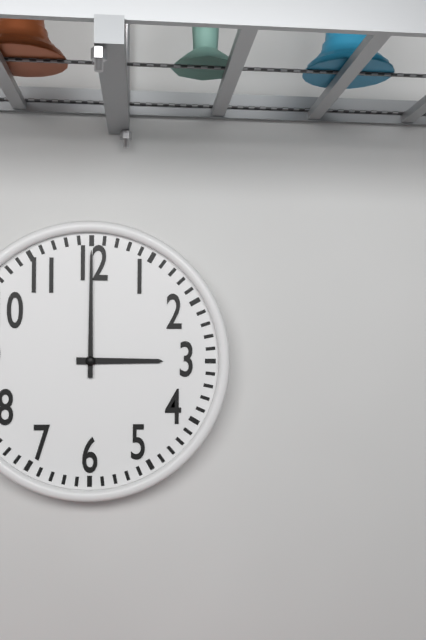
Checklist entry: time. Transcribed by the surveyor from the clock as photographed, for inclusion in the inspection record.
3:00
